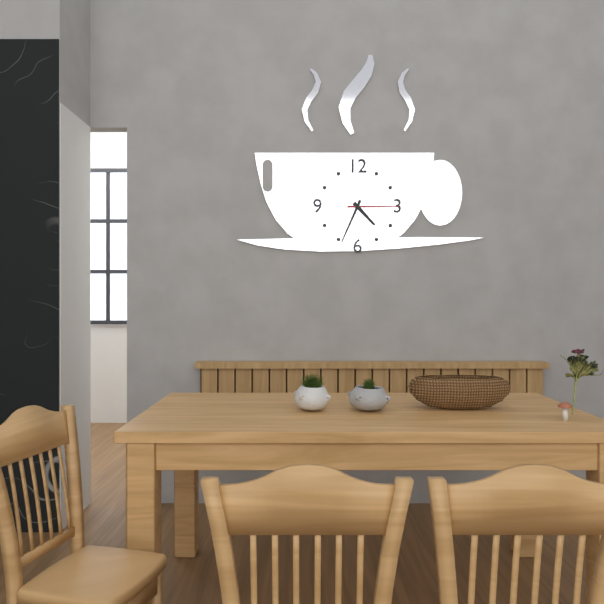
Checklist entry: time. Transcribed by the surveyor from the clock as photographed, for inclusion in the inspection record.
4:34:15
